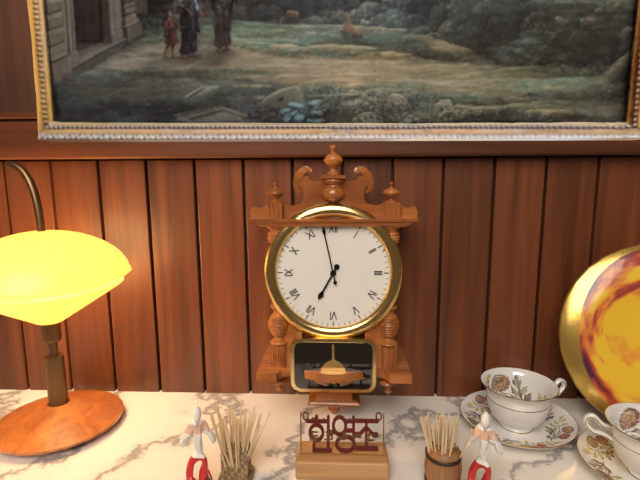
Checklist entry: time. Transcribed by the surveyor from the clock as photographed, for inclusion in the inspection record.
6:58
